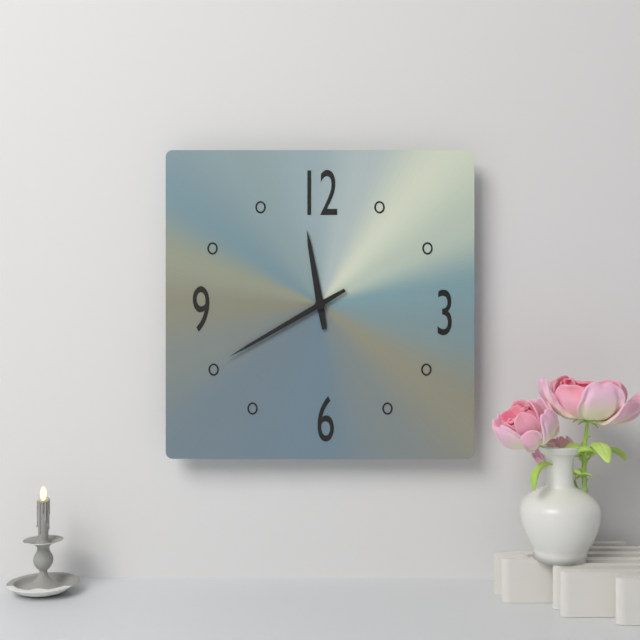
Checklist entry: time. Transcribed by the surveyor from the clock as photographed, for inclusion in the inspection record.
11:40
